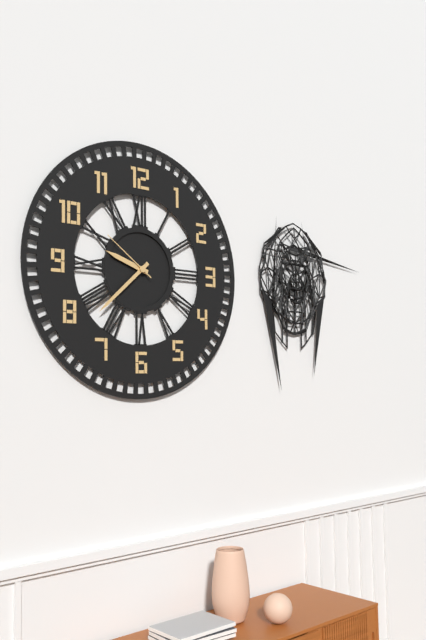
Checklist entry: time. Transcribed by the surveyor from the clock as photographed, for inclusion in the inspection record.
9:38:51
